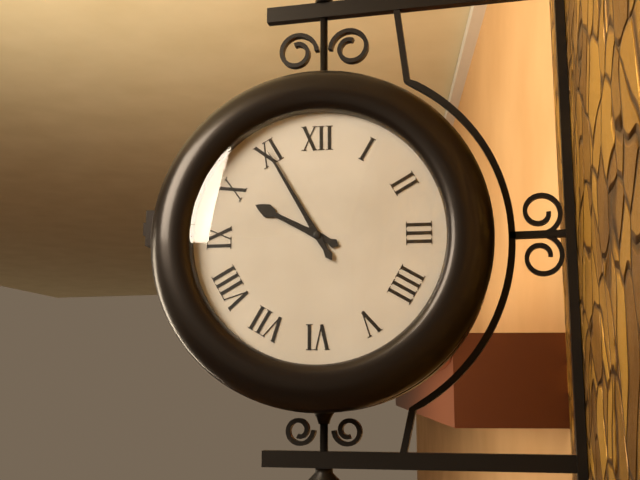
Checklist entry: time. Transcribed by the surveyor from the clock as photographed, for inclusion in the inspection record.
9:55
